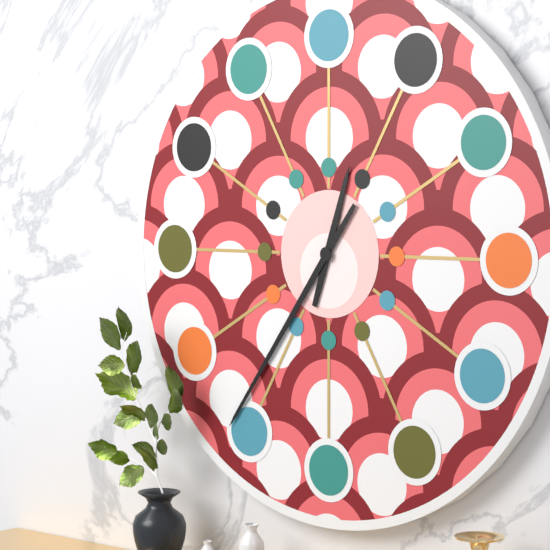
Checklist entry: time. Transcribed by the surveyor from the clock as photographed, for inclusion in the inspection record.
12:36
